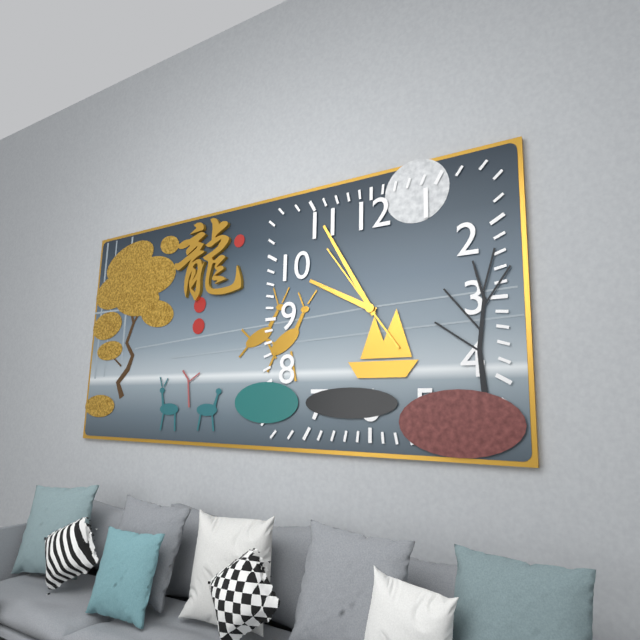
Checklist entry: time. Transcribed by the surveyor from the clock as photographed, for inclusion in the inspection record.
9:55:54
